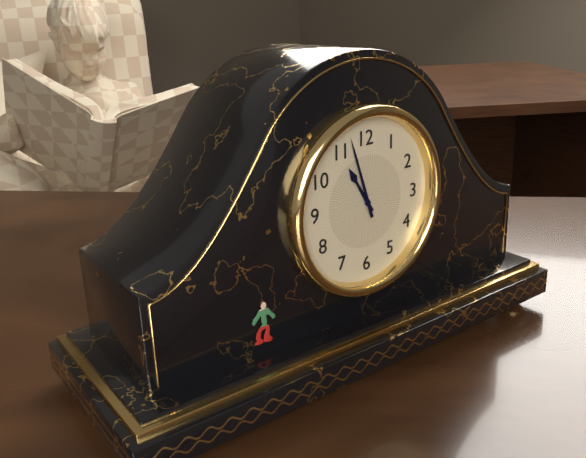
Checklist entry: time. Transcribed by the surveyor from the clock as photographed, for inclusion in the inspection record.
10:57
